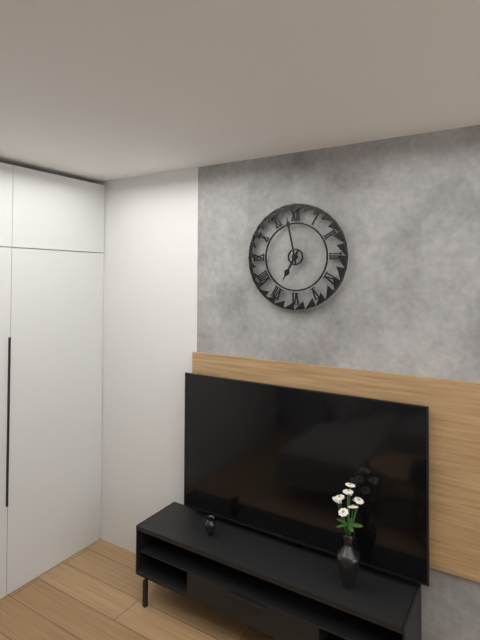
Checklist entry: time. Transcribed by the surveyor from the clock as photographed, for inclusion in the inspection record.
6:58
